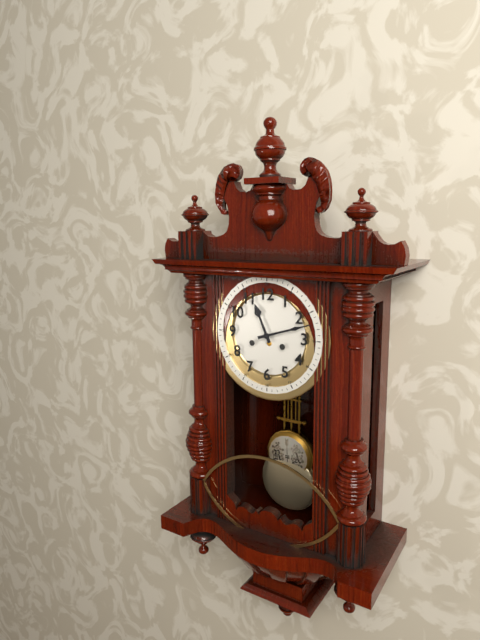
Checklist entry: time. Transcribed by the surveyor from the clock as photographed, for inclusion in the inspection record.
11:12
